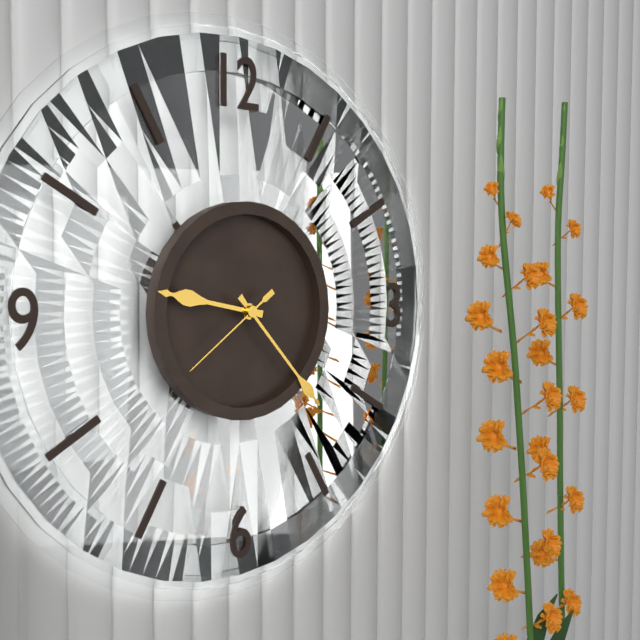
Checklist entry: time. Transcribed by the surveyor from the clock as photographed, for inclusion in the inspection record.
9:23:39
